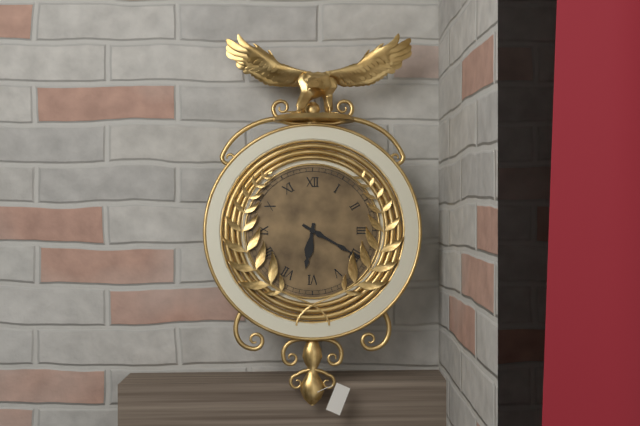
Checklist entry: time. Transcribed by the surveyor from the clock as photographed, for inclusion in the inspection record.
6:20
